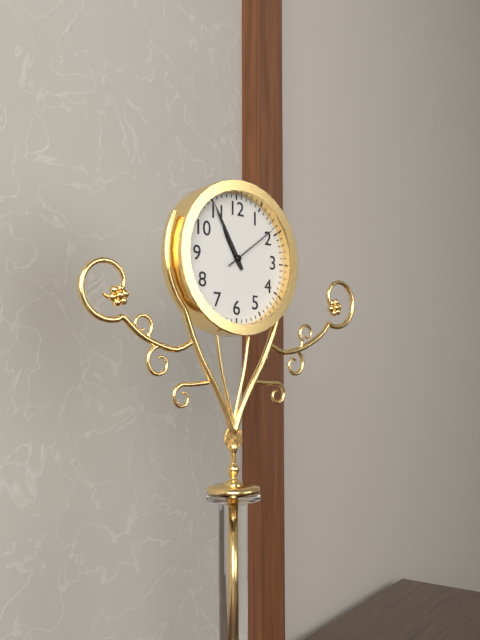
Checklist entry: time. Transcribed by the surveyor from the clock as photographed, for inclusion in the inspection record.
10:55:09
